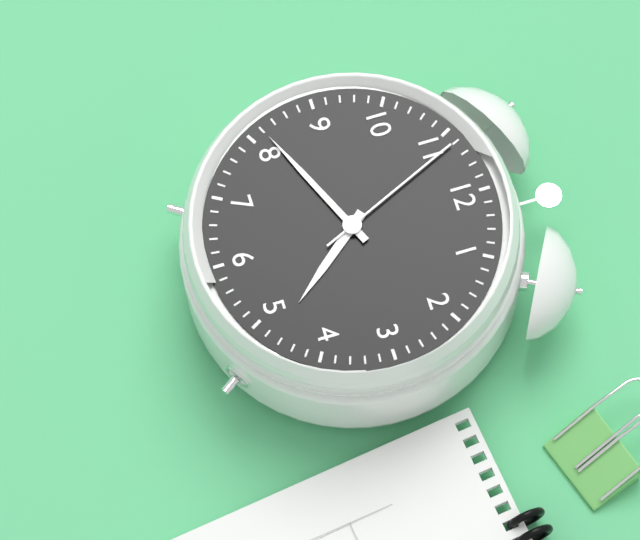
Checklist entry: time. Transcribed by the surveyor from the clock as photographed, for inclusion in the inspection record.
4:41:56
